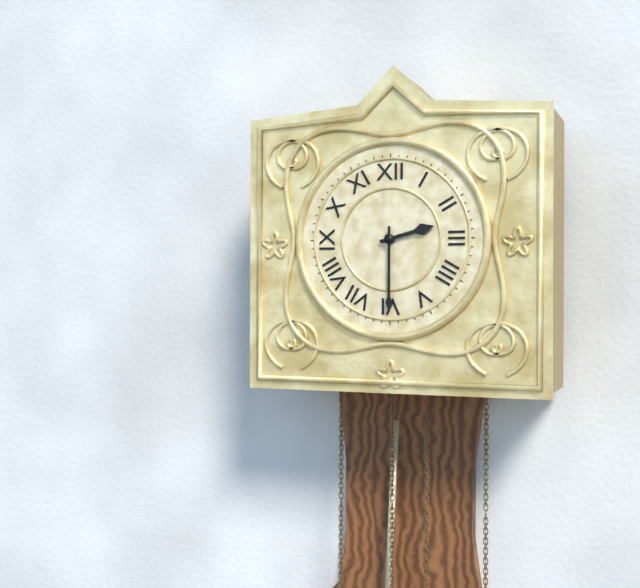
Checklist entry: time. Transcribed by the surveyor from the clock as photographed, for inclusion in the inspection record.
2:30
